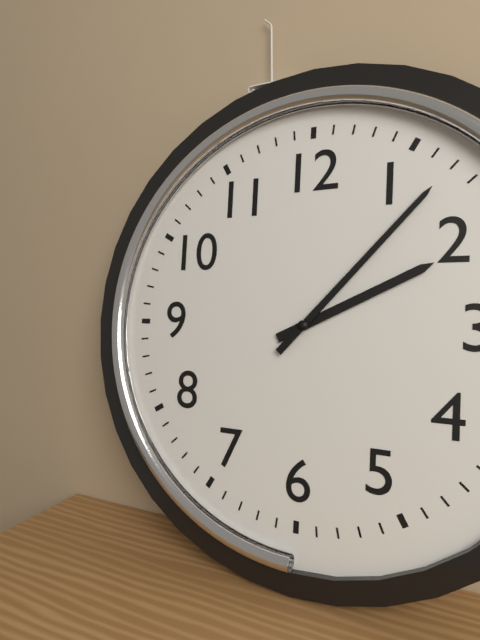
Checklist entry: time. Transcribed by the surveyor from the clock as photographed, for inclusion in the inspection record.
2:07
